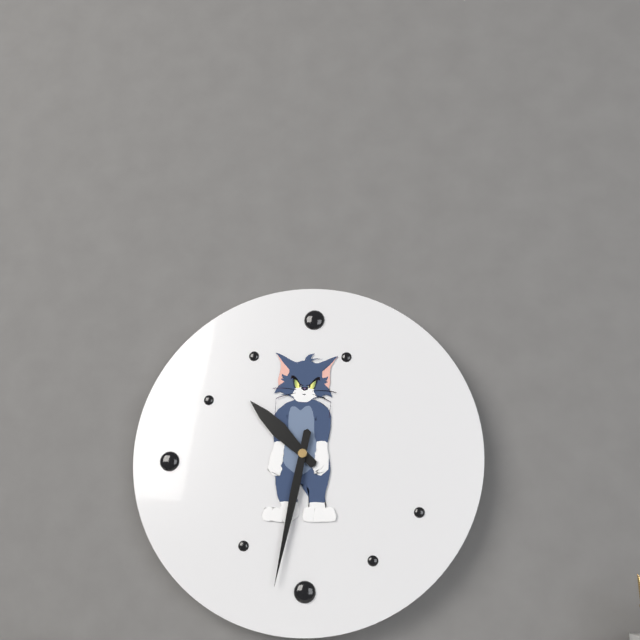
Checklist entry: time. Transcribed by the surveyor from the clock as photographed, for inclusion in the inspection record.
10:32
